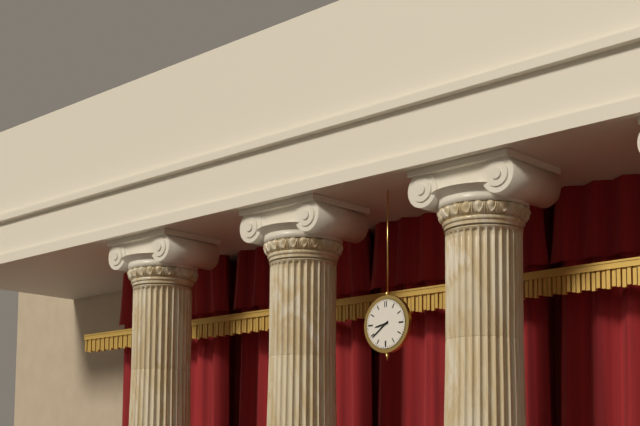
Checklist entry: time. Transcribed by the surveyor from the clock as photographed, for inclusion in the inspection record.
8:39
